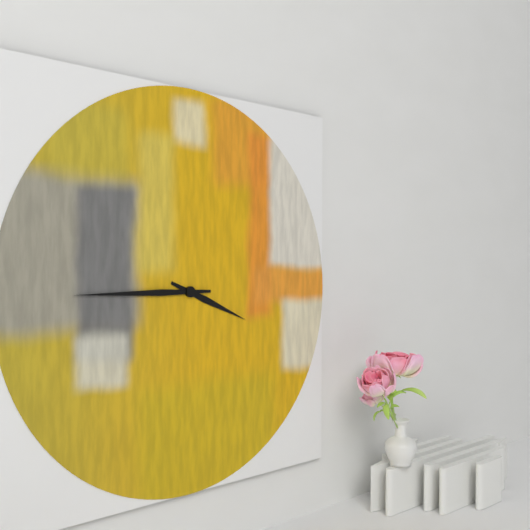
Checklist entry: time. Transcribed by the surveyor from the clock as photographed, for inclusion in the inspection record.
3:45
